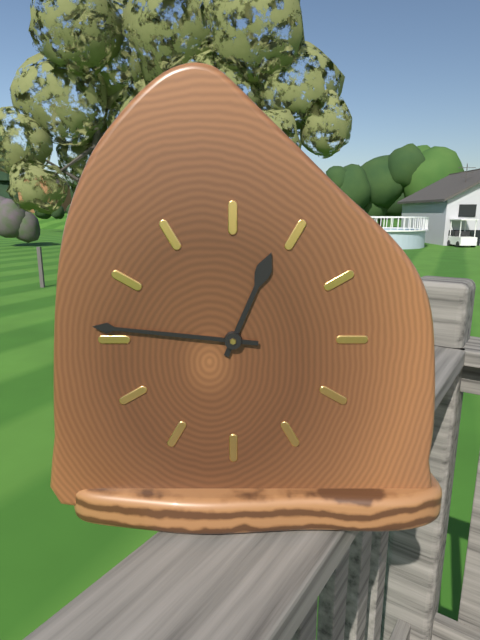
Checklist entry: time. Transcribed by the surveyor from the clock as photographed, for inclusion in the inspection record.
12:46
